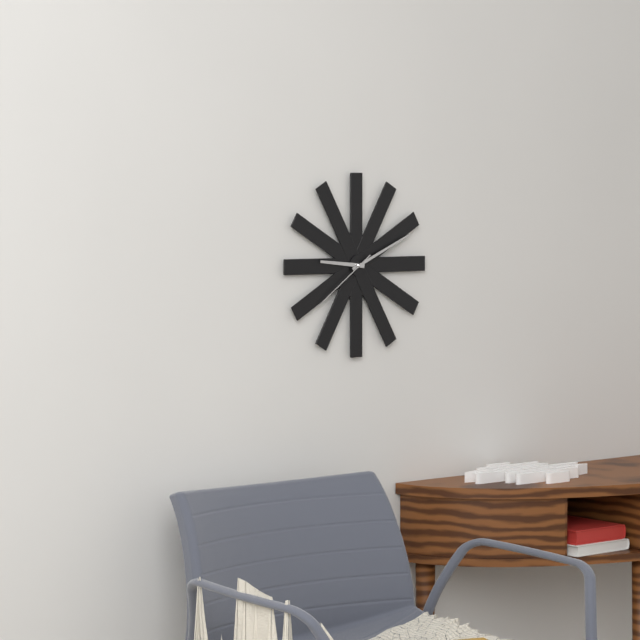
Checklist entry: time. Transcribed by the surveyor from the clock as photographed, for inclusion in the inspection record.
9:11:39
